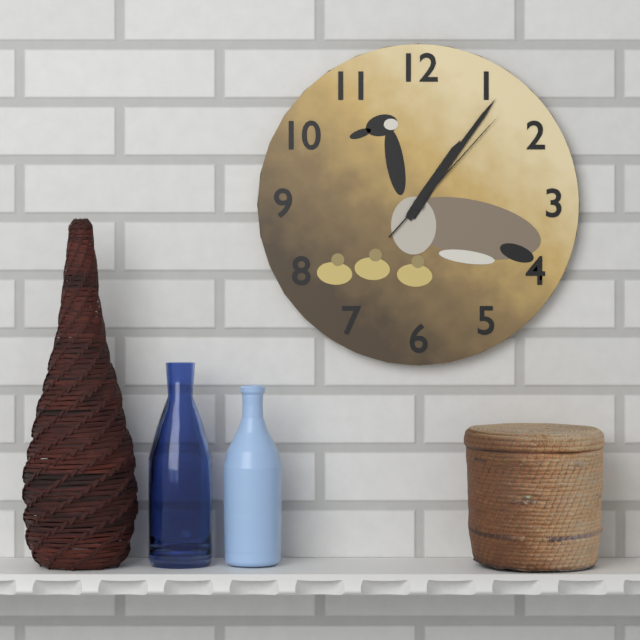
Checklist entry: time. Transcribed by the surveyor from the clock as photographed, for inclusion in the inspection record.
1:06:07
